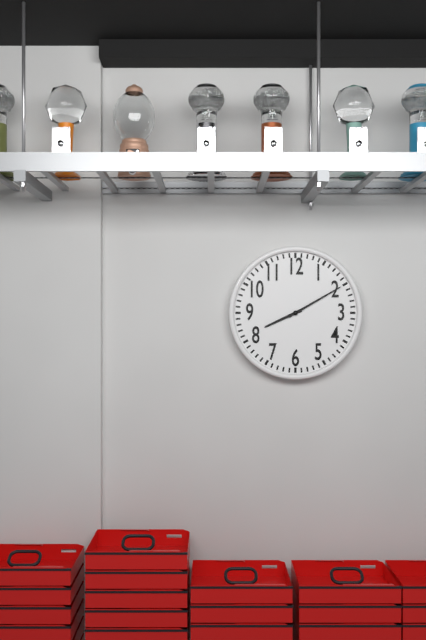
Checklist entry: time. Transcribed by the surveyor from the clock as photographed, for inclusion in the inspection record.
8:10
